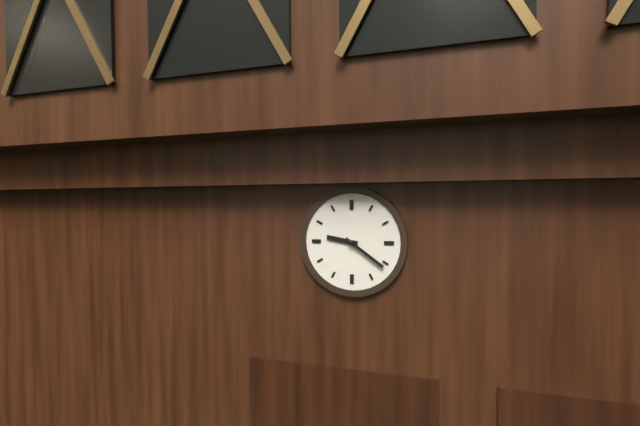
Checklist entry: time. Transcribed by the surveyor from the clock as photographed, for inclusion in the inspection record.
9:21
